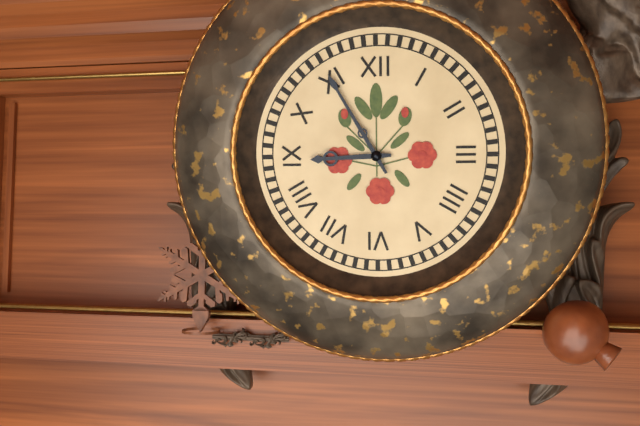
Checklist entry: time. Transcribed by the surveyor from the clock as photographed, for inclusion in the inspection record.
8:55
